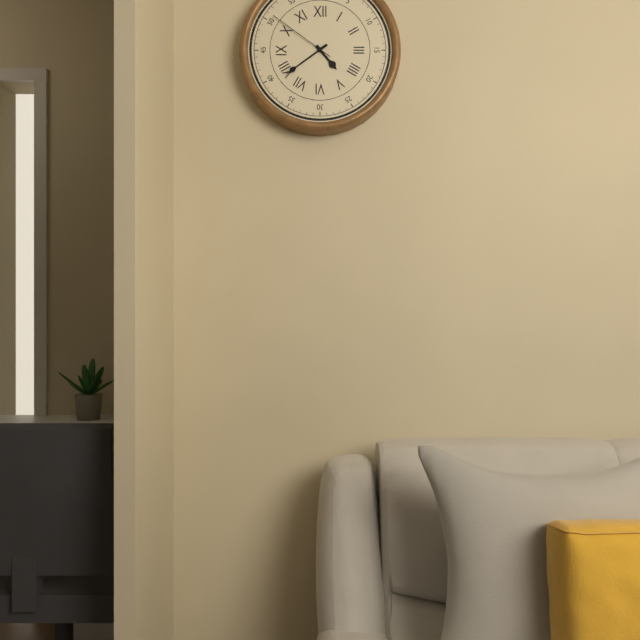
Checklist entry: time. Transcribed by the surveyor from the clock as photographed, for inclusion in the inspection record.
4:39:51
